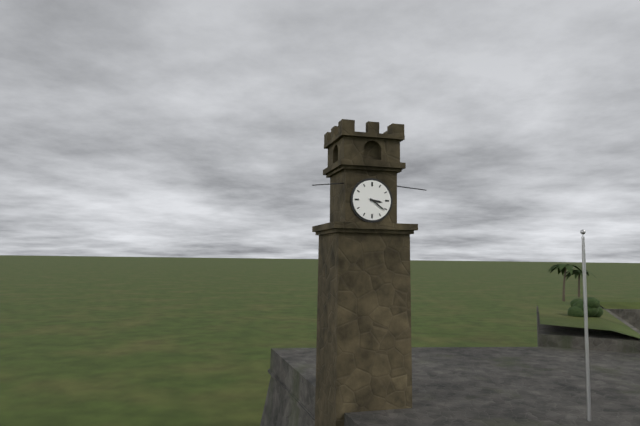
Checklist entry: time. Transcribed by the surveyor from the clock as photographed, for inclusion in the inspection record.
3:21
